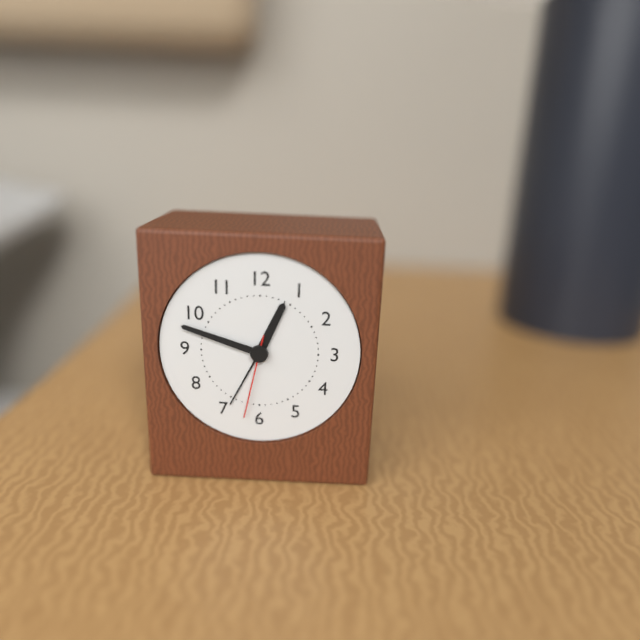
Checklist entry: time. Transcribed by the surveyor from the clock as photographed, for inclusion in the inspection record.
12:48:32
